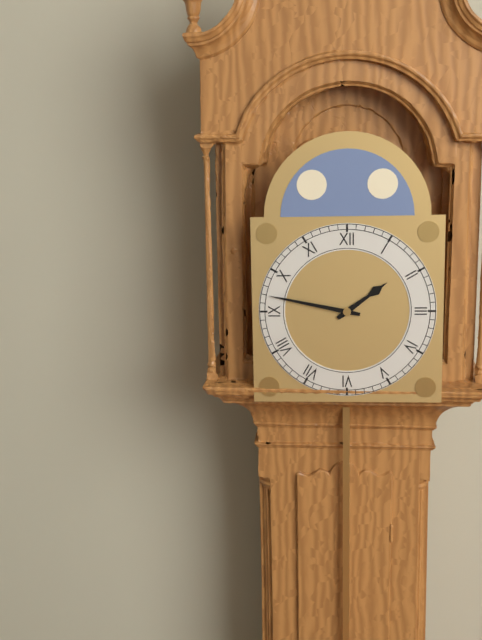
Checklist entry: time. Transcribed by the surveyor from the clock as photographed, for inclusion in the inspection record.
1:47
